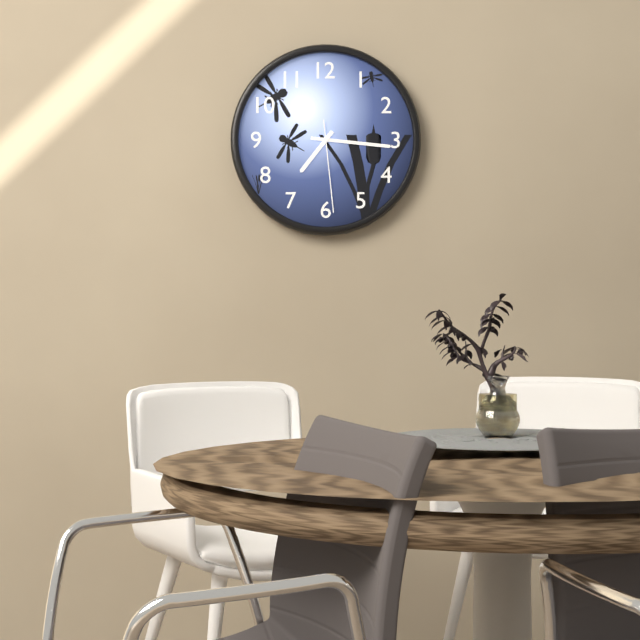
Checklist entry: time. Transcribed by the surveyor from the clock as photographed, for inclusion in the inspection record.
7:16:29
